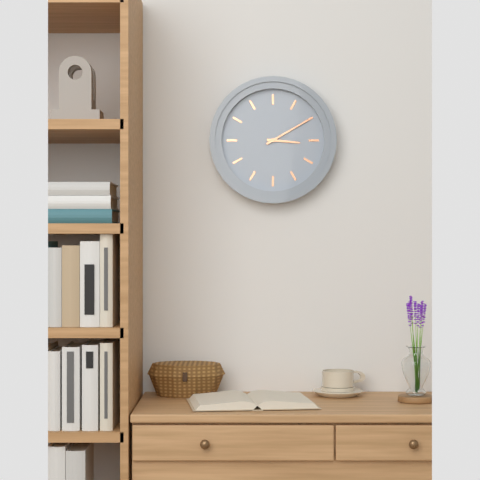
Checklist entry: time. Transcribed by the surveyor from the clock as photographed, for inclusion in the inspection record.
3:10
